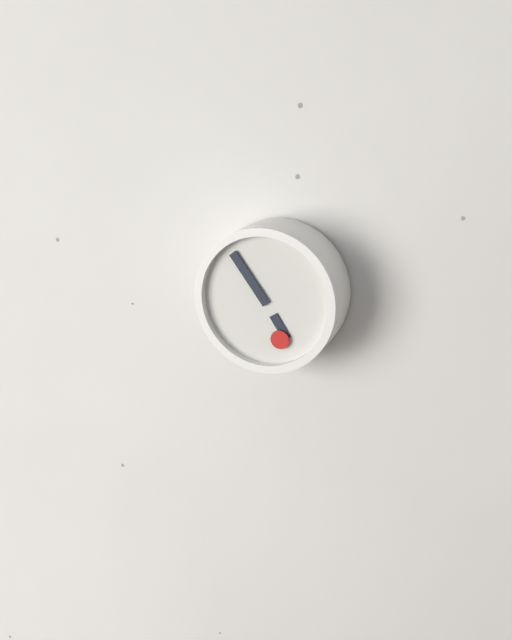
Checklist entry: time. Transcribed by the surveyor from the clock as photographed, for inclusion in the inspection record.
4:54:26
